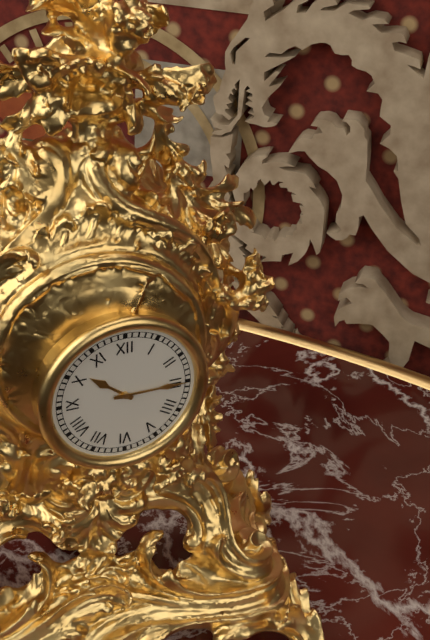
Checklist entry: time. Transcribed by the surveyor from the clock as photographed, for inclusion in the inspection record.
10:15
